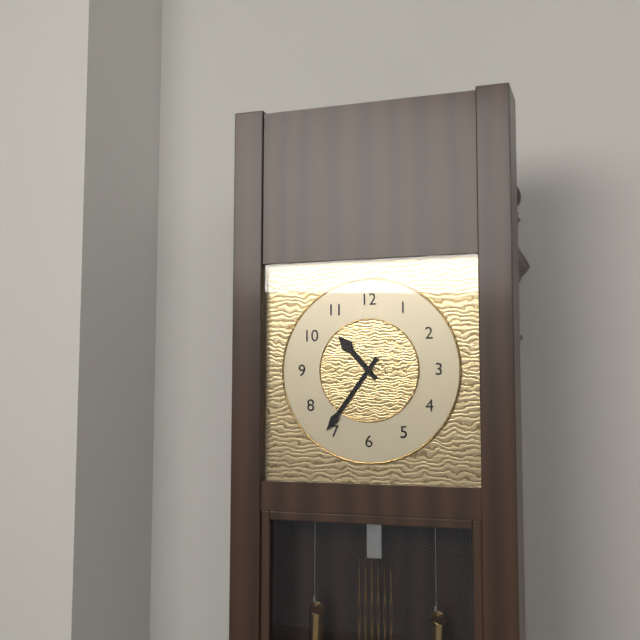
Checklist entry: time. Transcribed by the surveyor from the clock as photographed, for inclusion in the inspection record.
10:36
